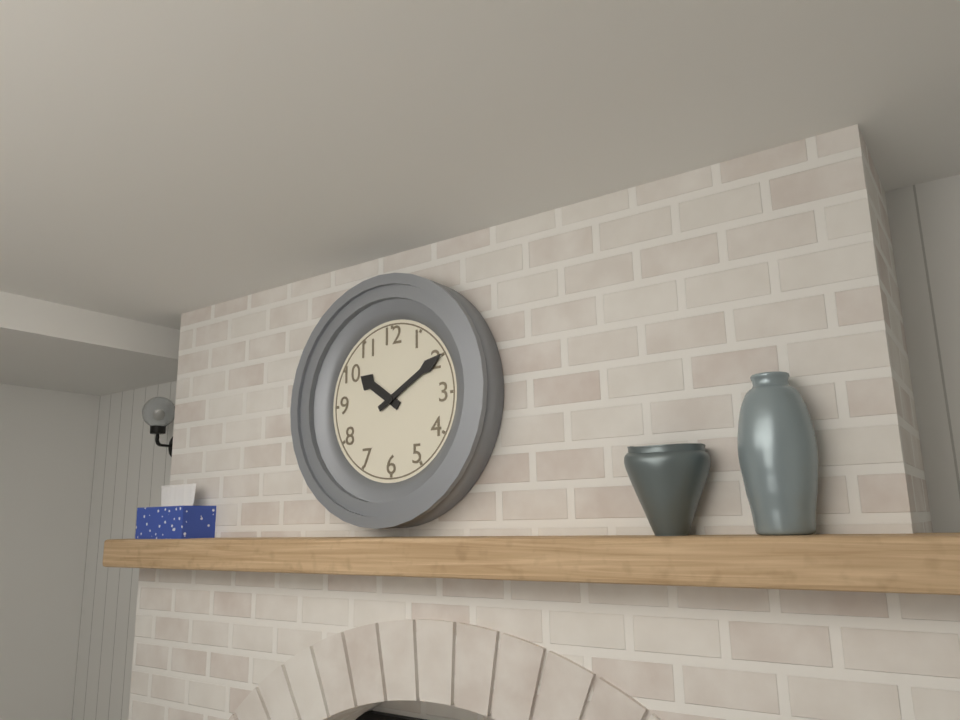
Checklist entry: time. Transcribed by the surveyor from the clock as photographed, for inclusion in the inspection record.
10:10
